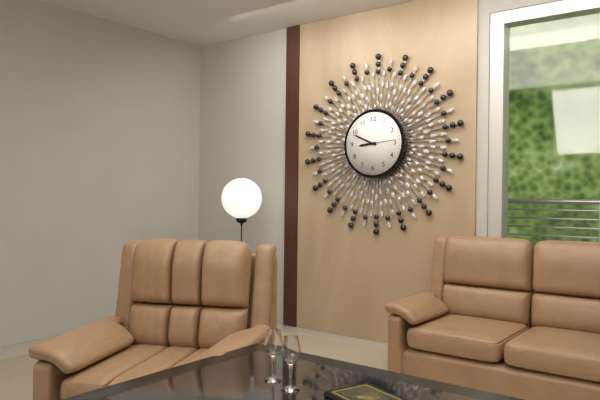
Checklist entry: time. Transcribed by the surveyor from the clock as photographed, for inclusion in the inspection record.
8:49
